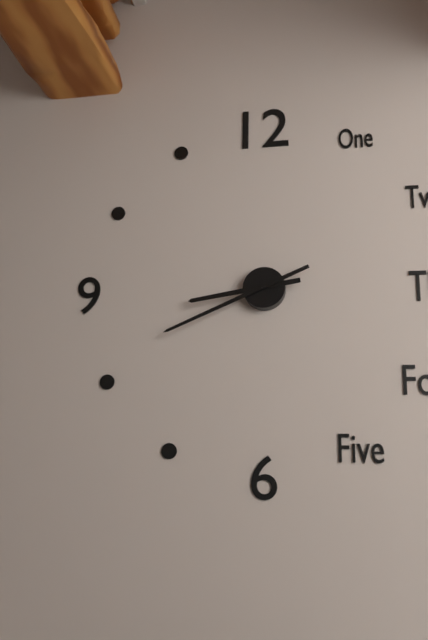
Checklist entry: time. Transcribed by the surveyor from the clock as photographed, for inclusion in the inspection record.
8:41
